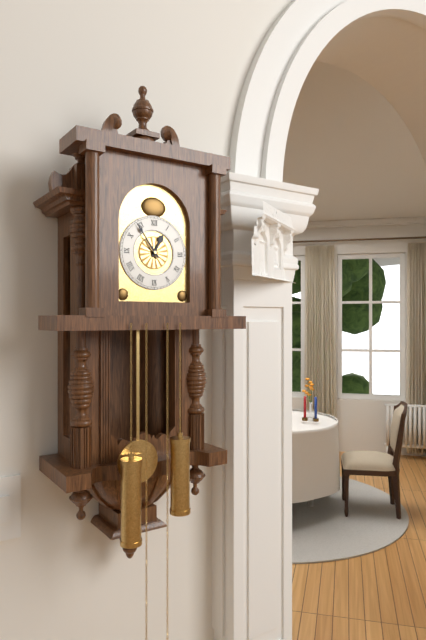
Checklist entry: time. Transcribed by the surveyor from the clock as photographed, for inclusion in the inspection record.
12:54
